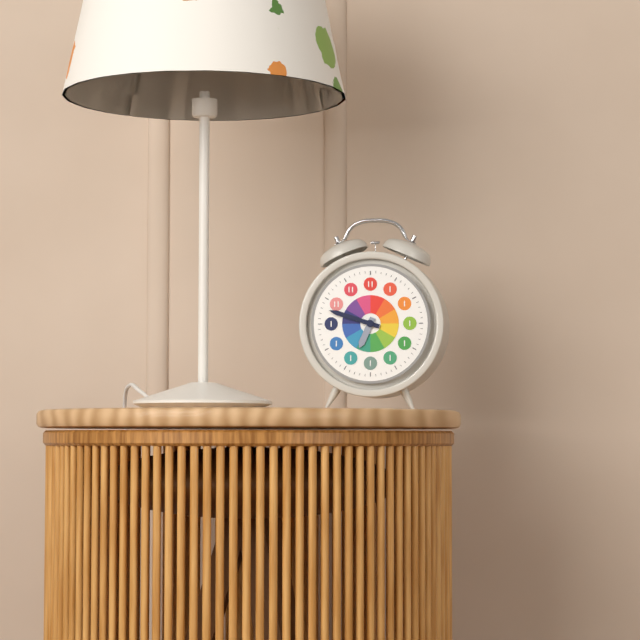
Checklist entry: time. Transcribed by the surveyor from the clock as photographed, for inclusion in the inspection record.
6:48
